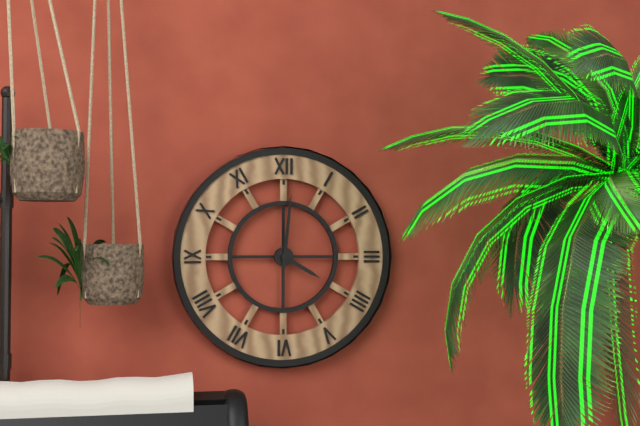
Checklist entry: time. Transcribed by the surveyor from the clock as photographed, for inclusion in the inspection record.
4:01
